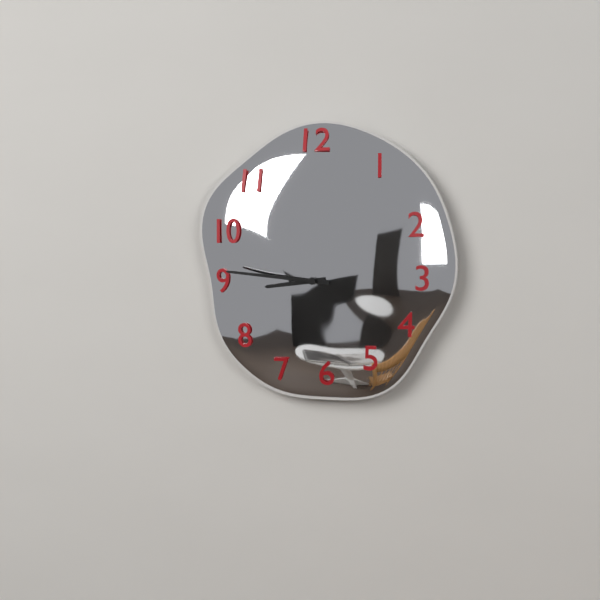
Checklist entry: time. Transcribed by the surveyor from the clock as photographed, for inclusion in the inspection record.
8:46
